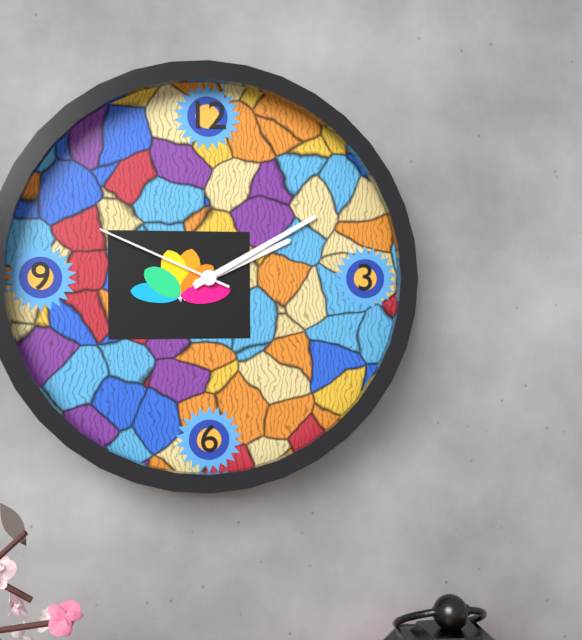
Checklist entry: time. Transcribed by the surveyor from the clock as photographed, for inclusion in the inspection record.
2:10:49
